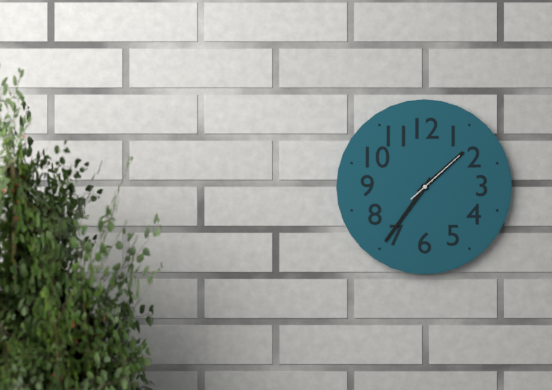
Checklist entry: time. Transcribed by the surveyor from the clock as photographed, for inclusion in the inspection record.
1:36:08
